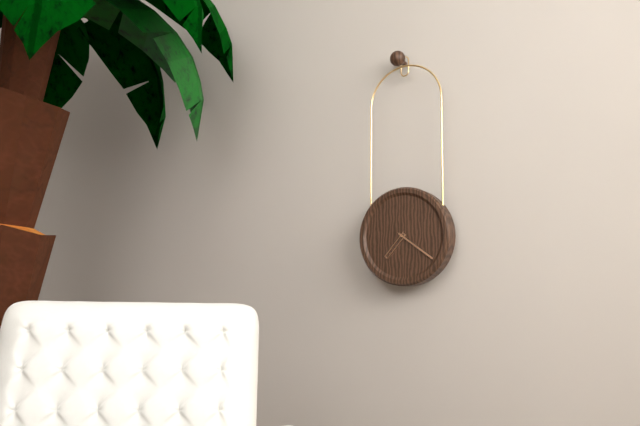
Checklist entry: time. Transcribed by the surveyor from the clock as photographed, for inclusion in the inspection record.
7:21
